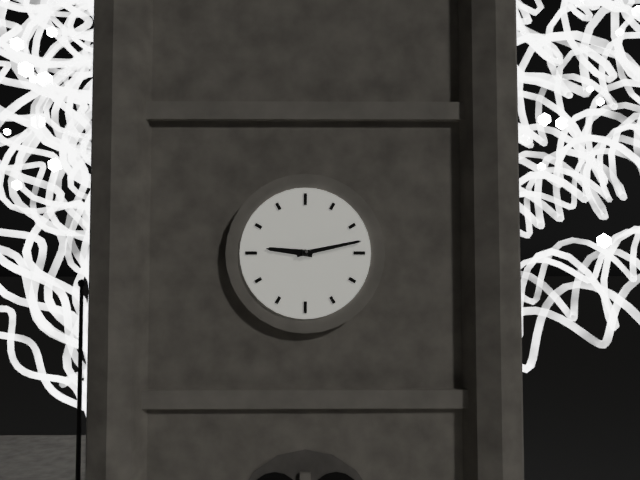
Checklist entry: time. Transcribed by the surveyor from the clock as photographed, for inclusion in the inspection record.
9:13
